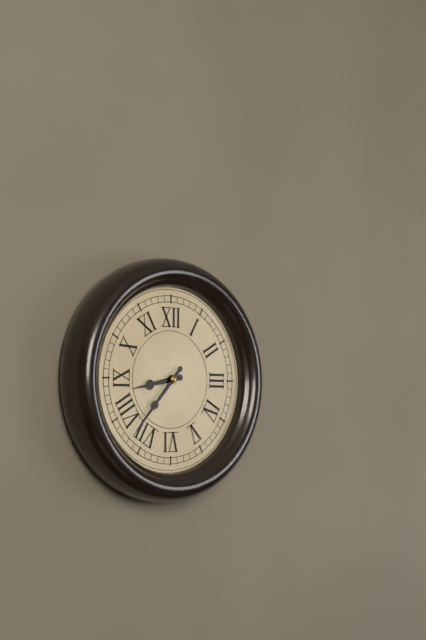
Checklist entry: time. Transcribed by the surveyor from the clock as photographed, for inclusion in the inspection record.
8:37
